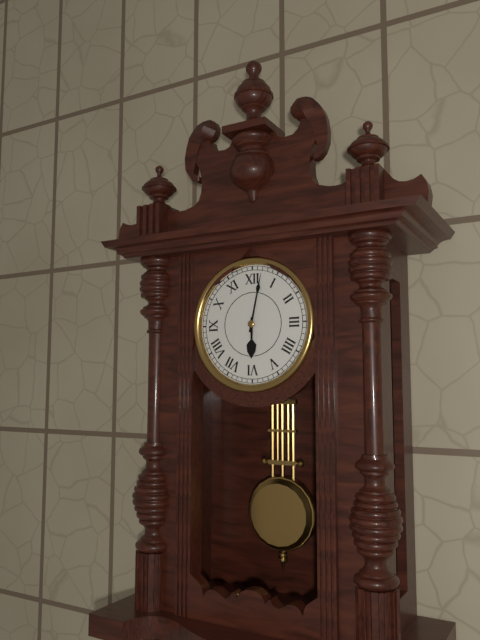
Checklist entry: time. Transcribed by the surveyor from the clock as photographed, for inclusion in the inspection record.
6:02
